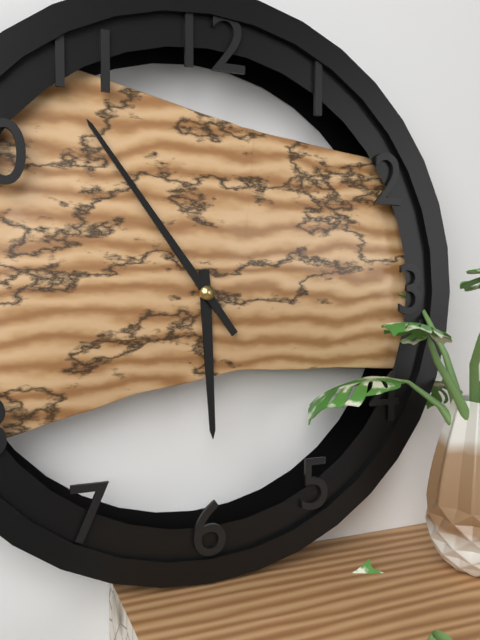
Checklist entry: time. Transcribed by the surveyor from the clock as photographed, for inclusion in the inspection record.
5:54
